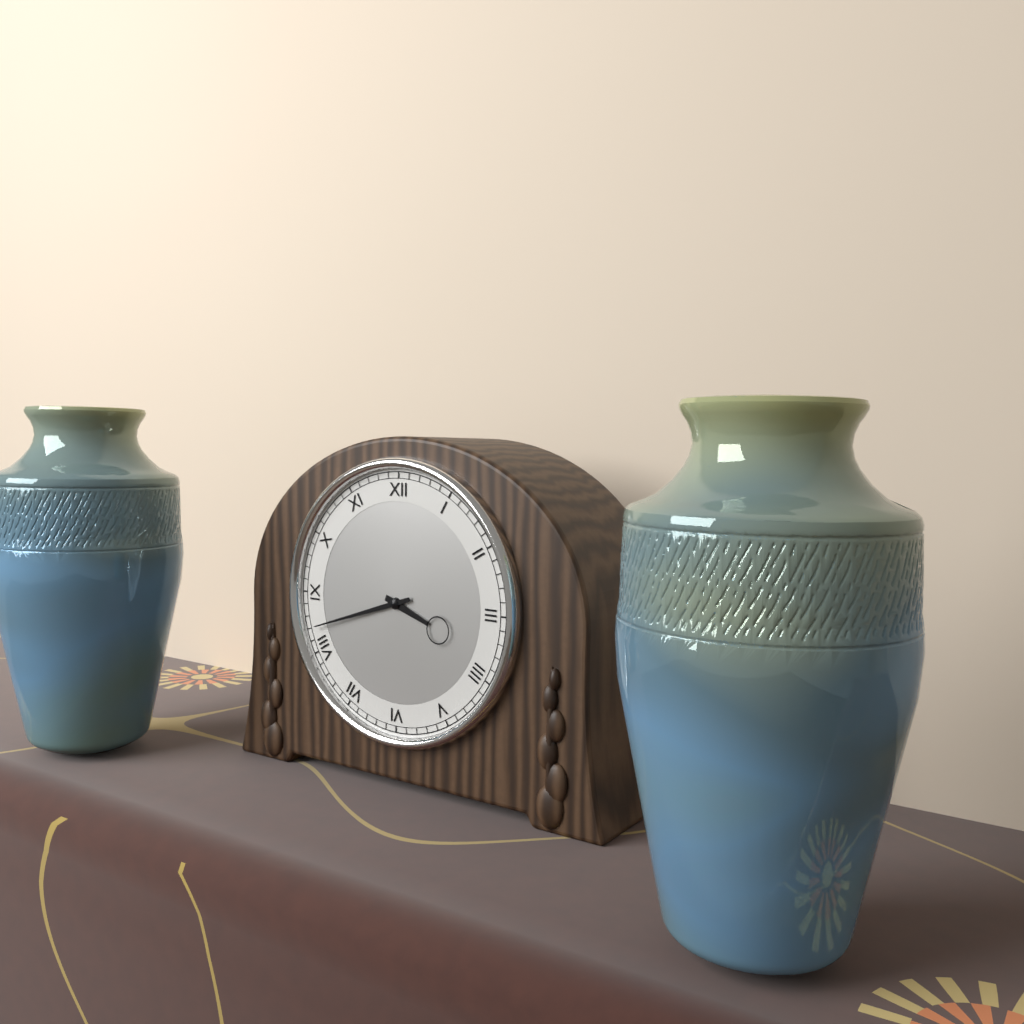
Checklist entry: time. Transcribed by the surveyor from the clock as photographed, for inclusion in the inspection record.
3:42
